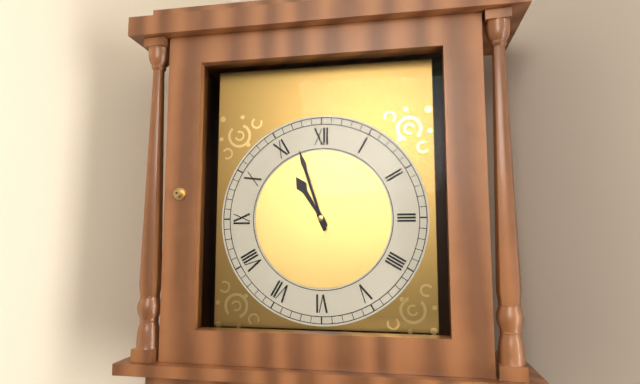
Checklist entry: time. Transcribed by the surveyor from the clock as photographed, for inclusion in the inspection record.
10:57
